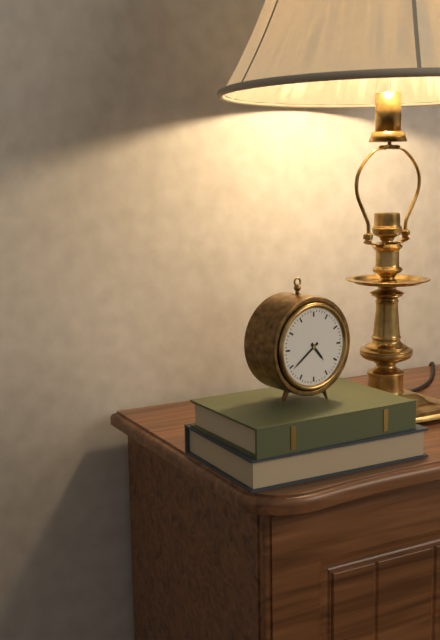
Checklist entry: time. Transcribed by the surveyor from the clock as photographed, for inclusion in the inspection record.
4:39
